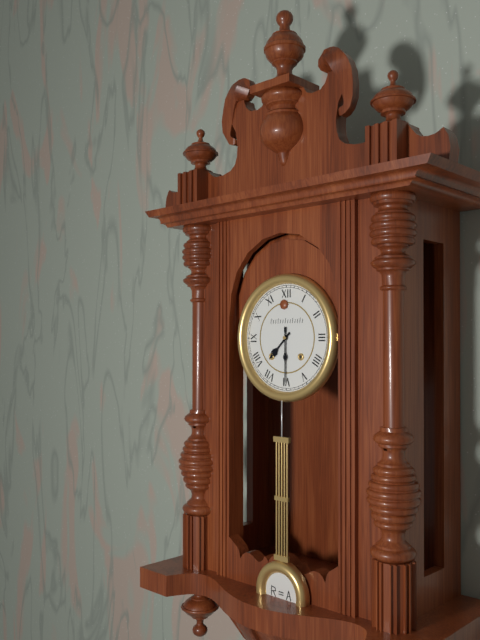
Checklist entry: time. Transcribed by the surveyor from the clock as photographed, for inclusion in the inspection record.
7:30
